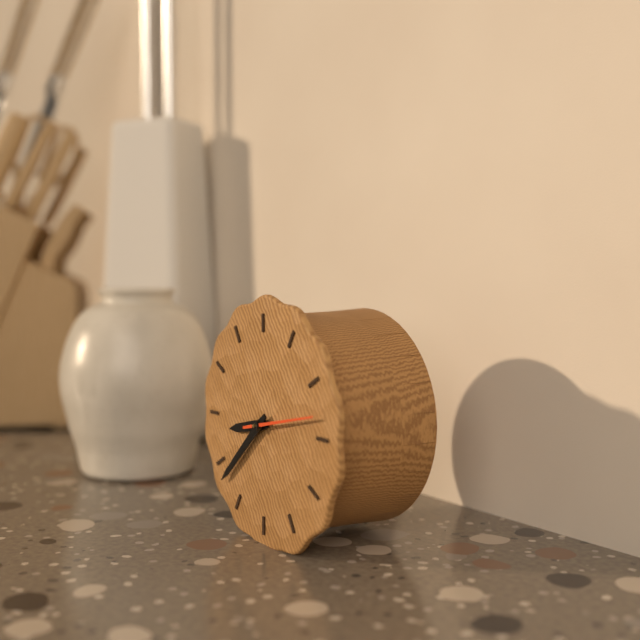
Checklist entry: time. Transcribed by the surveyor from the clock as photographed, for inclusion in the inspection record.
8:38:13
